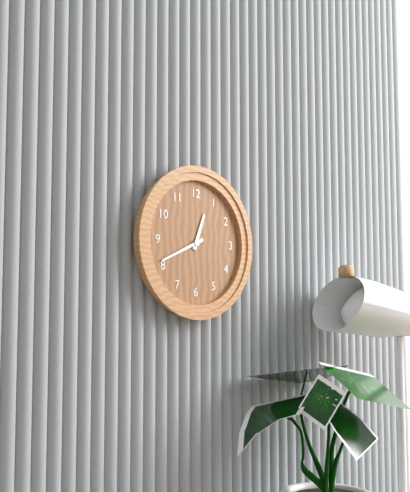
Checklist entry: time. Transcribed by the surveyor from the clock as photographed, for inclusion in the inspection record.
12:41
